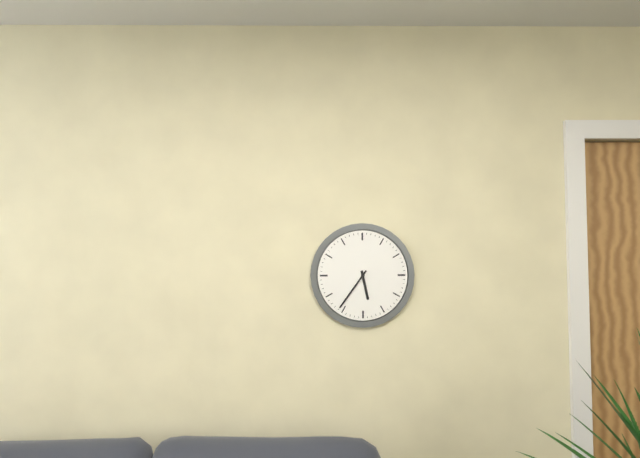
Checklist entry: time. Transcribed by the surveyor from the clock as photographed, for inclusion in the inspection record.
5:36
